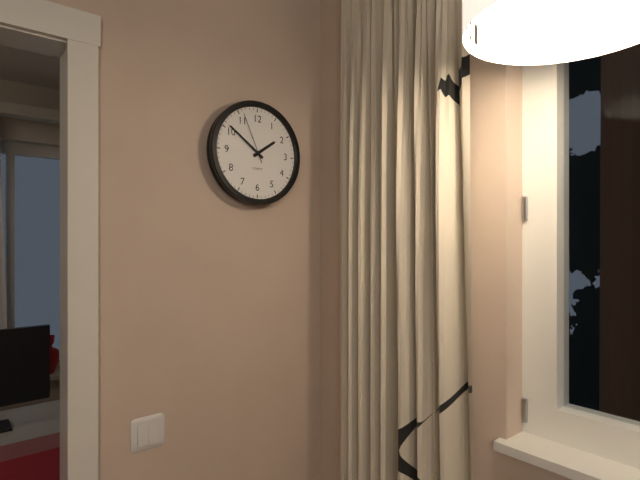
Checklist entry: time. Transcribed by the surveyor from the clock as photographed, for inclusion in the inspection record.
1:51:56
